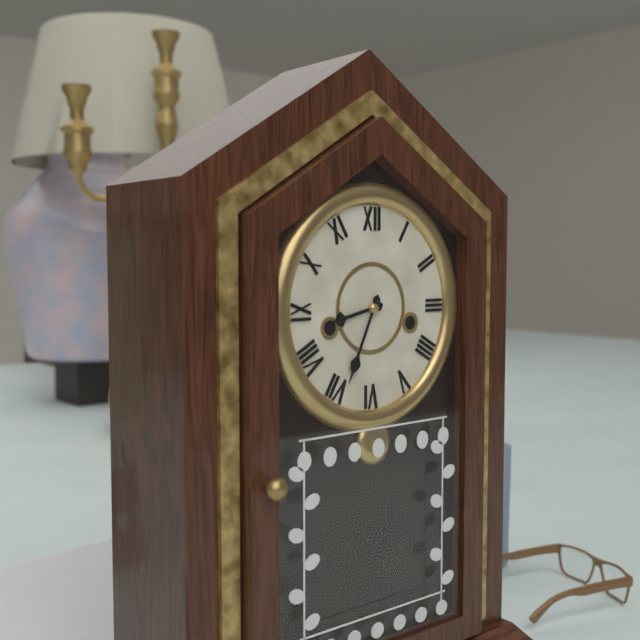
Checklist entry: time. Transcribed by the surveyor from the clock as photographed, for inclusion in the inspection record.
8:34
